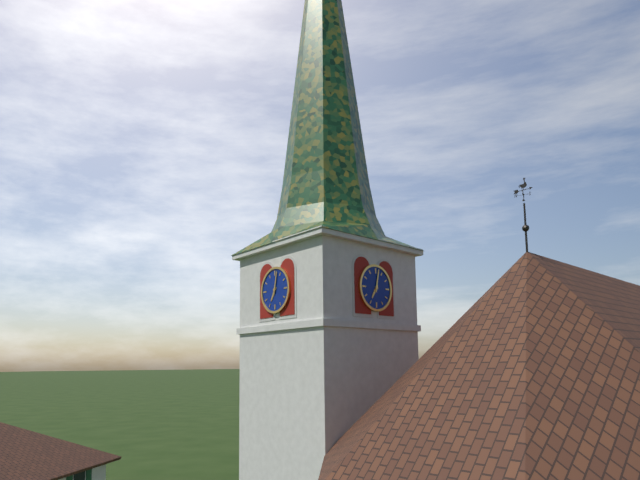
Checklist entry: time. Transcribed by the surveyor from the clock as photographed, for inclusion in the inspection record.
7:02
